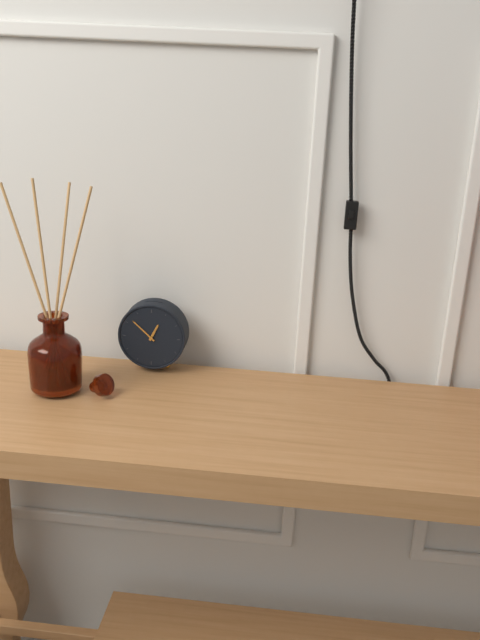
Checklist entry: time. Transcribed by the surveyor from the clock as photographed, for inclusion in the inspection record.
12:52
